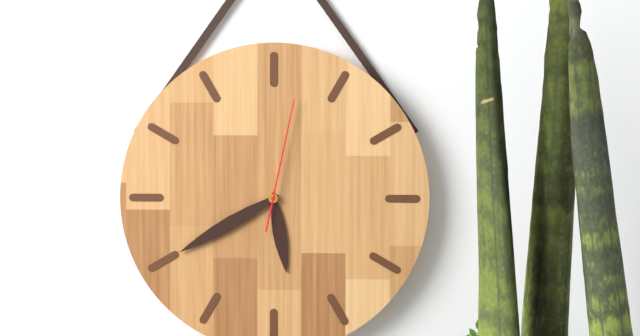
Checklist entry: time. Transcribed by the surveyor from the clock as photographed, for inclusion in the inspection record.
5:40:02
